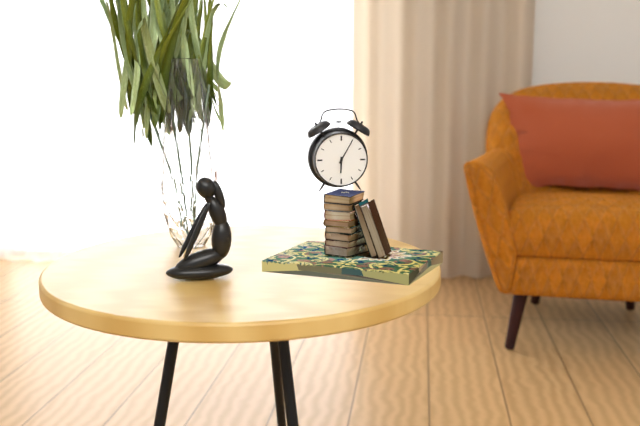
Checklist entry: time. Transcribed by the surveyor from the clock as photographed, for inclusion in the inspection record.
6:05
